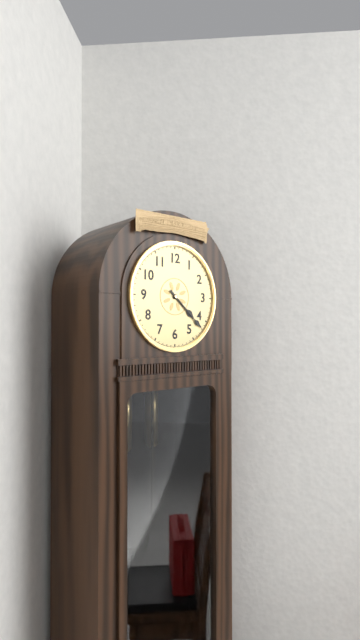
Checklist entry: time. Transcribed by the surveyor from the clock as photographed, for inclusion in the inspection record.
4:22
